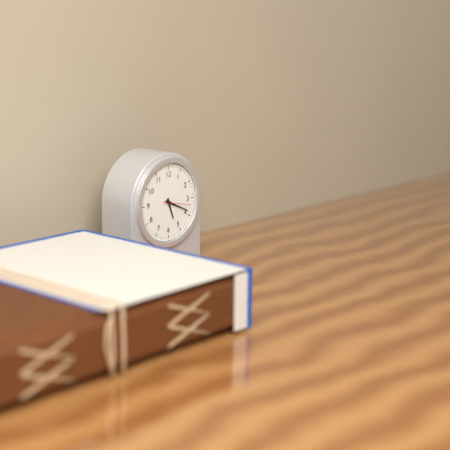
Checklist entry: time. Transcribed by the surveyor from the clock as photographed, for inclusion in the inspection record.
5:19
